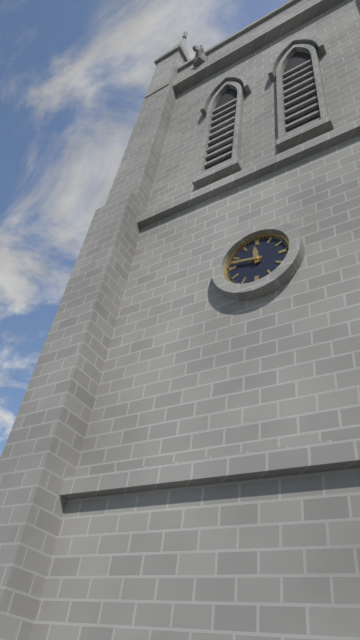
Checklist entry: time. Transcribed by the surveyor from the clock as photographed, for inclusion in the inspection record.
11:47
